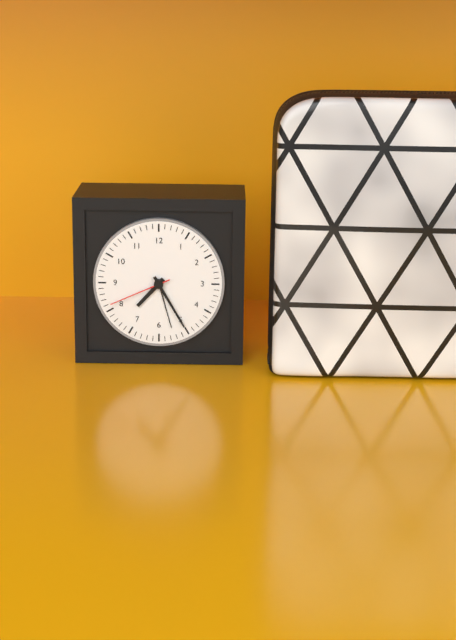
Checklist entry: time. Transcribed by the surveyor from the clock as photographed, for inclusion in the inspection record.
7:25:41
